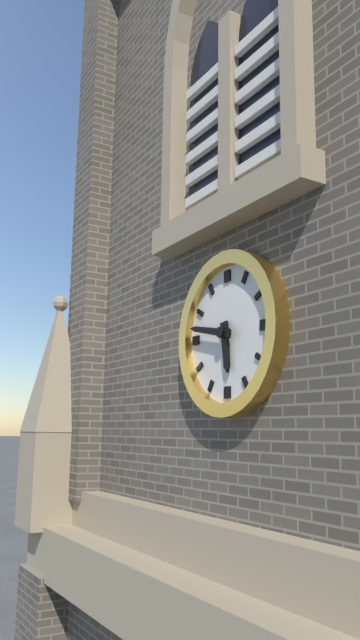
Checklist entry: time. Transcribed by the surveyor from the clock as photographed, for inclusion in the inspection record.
5:47
